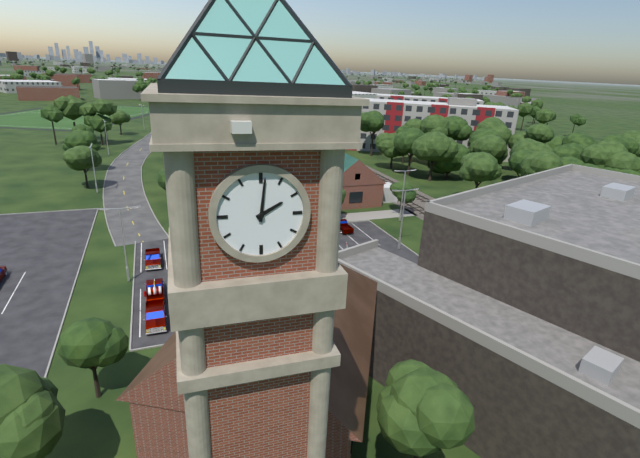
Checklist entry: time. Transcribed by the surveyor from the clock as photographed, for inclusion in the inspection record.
2:01
